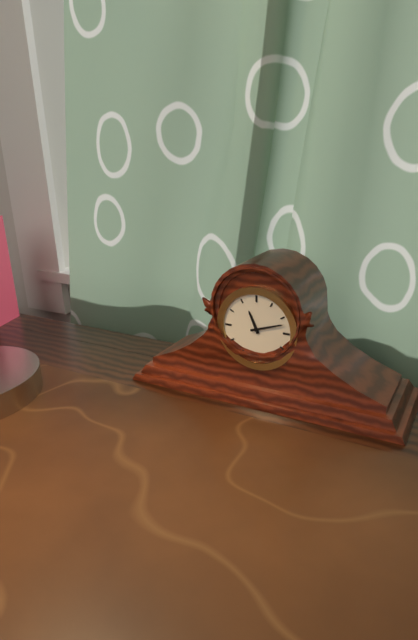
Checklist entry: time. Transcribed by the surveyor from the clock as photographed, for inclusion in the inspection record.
11:12
